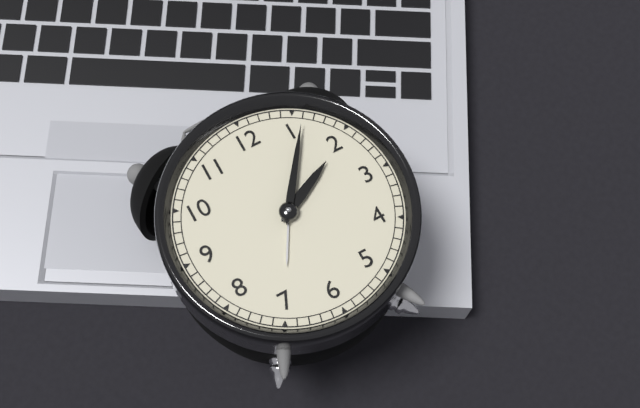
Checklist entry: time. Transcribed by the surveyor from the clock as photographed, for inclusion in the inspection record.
2:06
